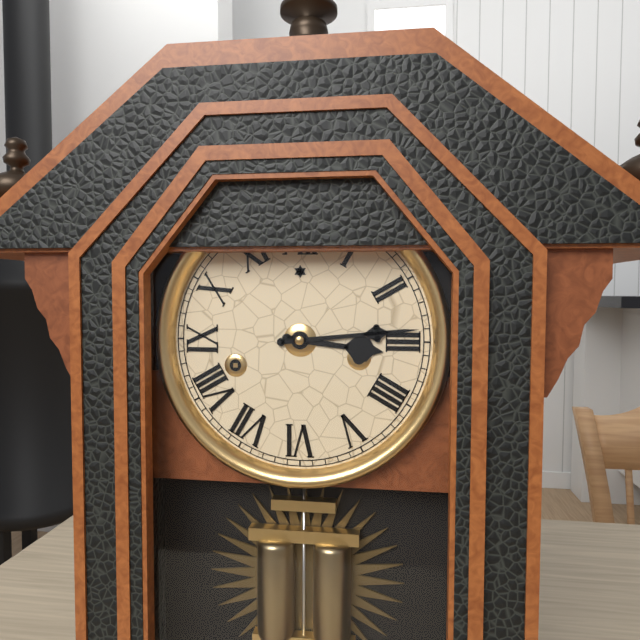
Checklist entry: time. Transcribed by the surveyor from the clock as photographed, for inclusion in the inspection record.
3:14
